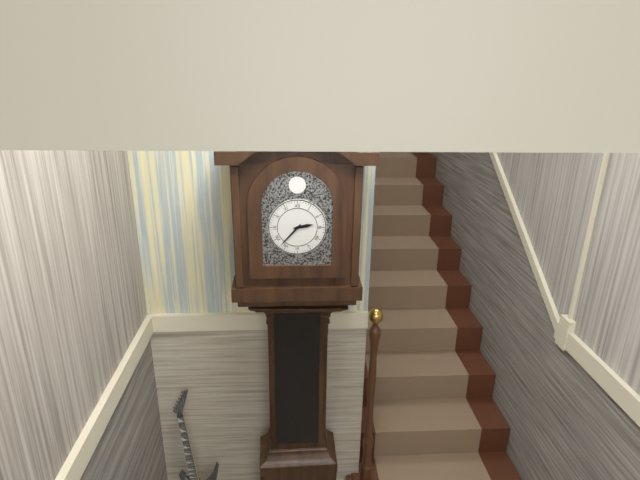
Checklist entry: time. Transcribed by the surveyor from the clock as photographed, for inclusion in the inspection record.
2:37
